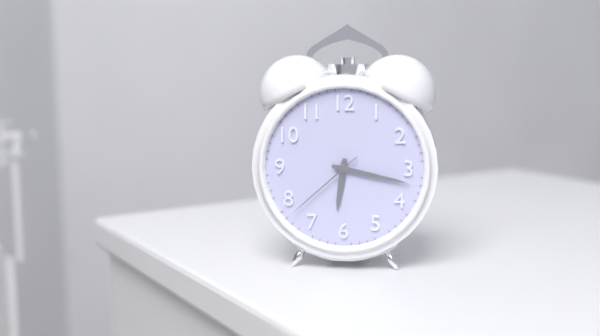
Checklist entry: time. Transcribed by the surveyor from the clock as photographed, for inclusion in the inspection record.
6:17:38
